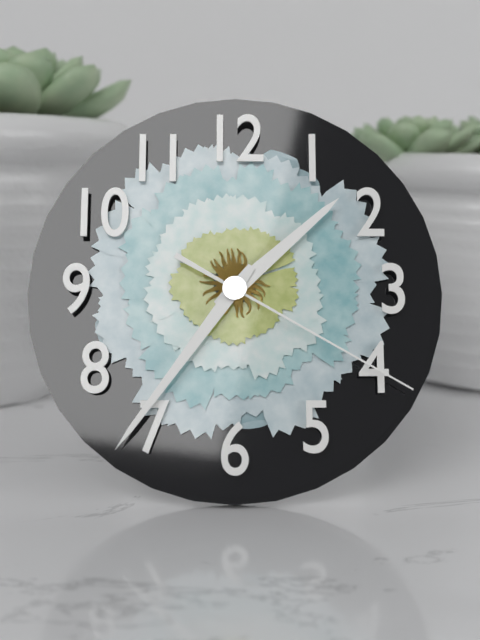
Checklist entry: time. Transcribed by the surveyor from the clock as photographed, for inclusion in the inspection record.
1:36:20
